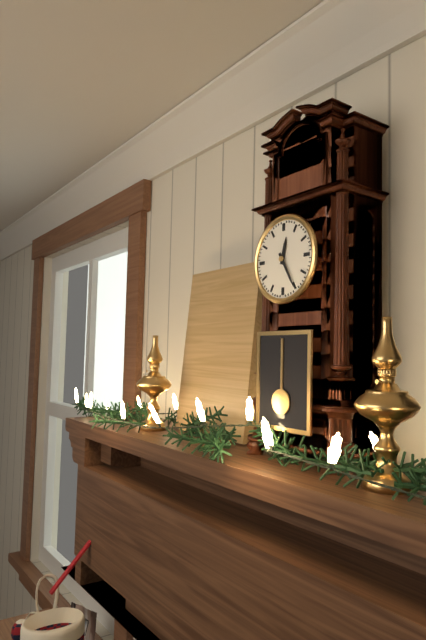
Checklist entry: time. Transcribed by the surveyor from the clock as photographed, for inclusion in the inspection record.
12:25
